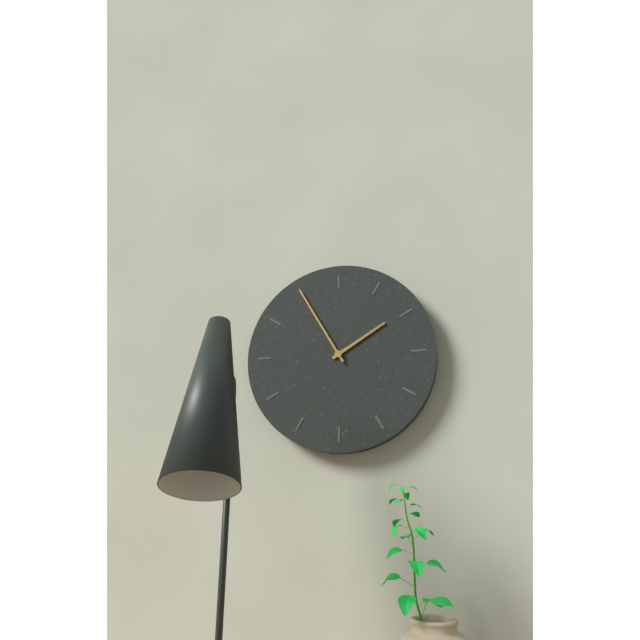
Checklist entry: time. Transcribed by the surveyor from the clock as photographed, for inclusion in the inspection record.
1:55
